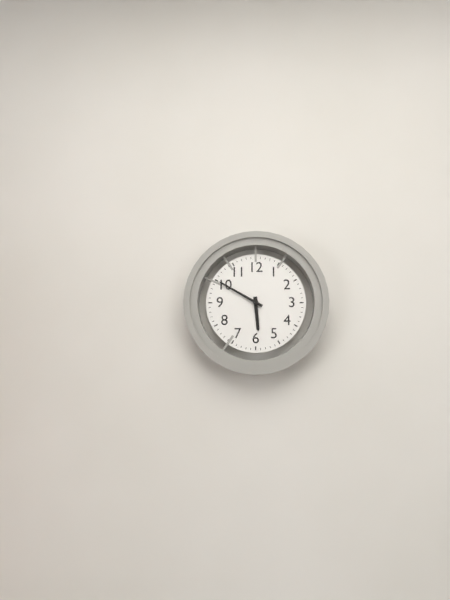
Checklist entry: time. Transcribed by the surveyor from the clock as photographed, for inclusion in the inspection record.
5:50
